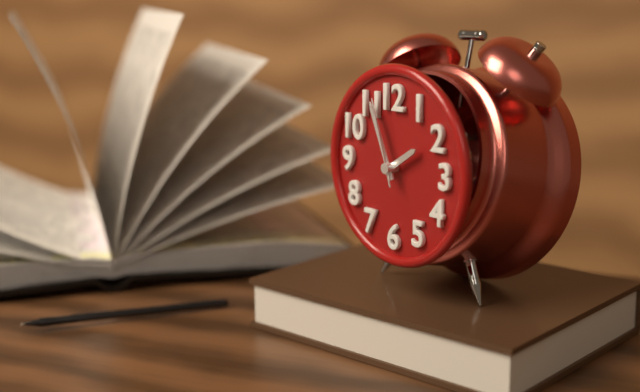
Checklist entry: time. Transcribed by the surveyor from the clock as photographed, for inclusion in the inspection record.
1:56:57
